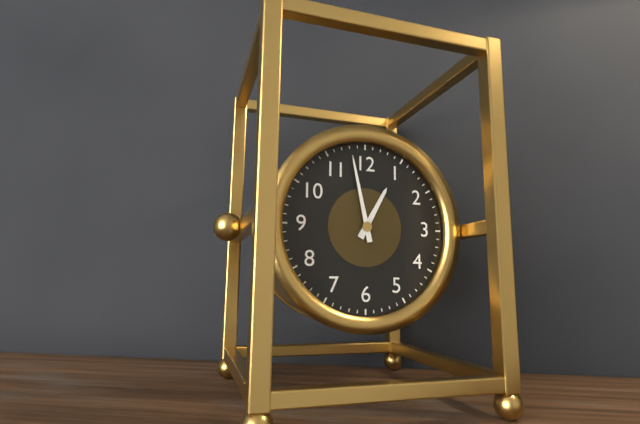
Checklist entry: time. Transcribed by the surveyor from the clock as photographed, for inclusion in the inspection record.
12:58
